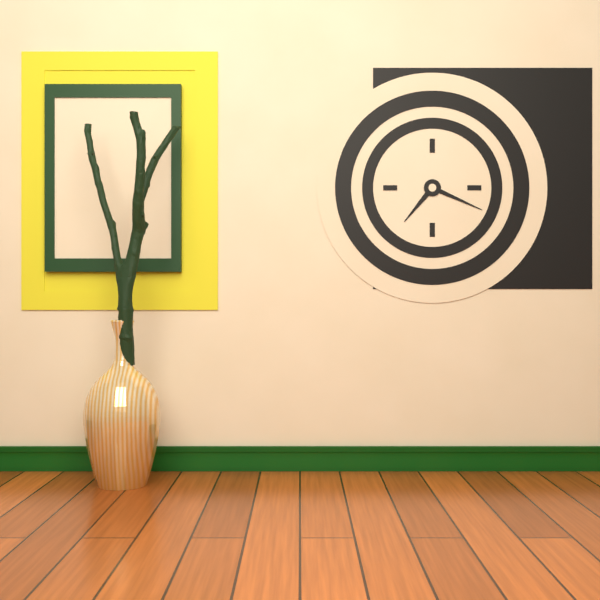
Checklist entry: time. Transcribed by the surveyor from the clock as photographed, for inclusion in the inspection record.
7:19
